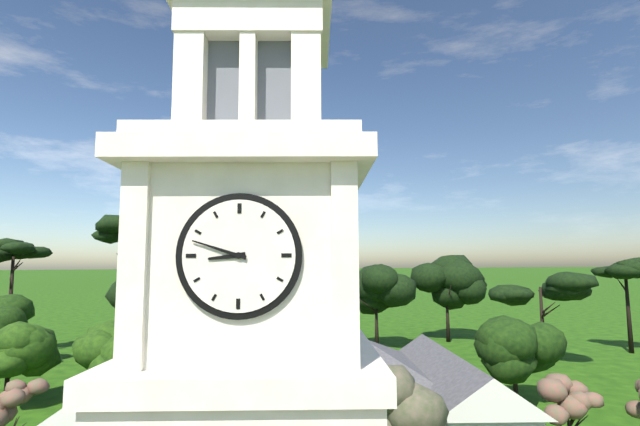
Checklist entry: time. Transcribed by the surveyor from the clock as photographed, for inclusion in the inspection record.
8:48
